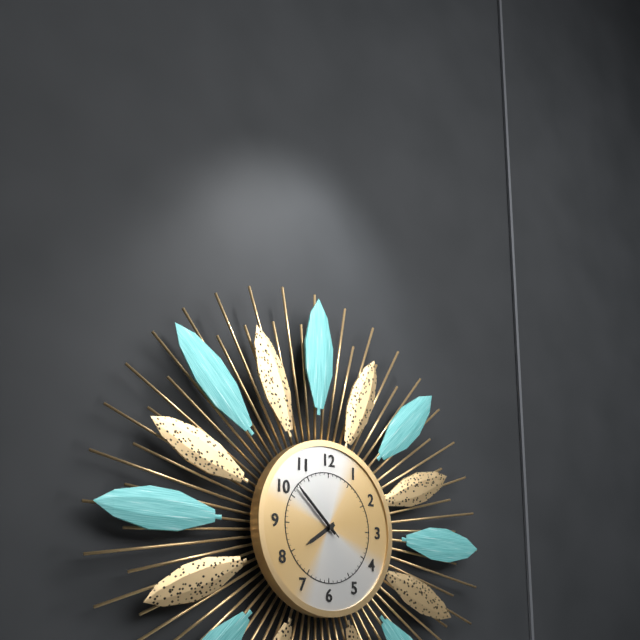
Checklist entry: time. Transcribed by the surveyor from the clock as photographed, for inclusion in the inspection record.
7:52:52
